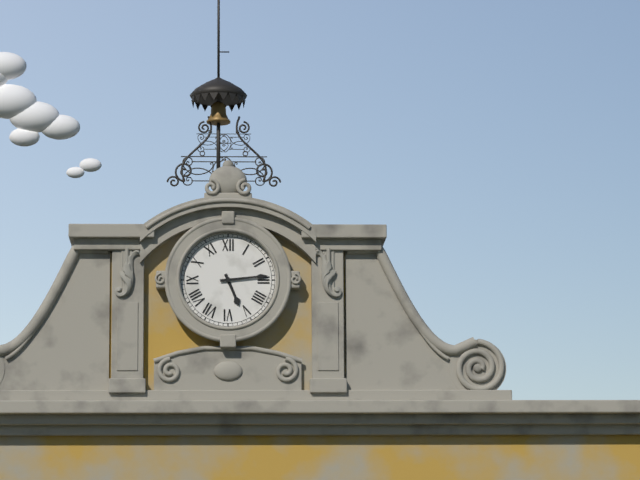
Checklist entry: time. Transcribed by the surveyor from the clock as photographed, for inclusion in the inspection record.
5:14
